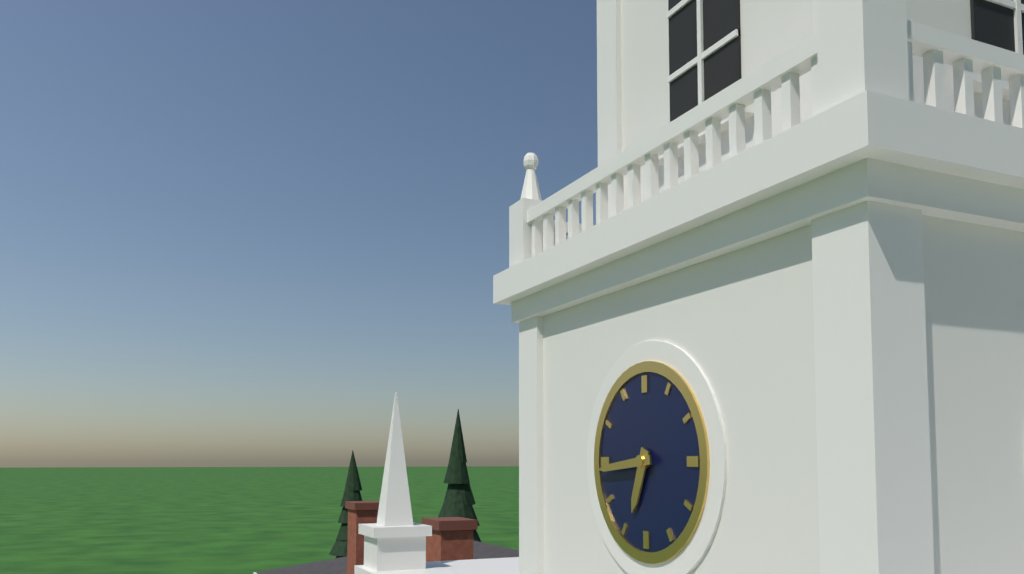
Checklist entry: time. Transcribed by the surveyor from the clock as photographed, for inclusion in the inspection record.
6:44
